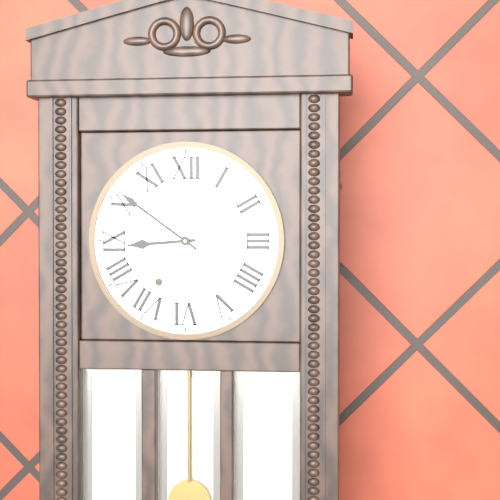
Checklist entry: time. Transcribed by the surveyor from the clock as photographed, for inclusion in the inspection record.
8:51
